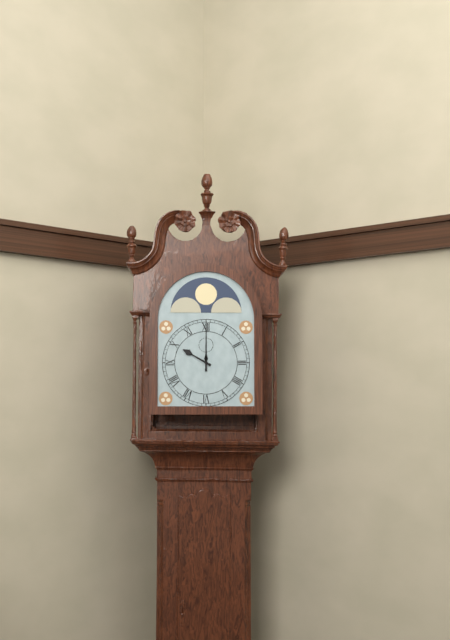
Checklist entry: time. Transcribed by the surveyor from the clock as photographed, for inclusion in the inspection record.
10:00
